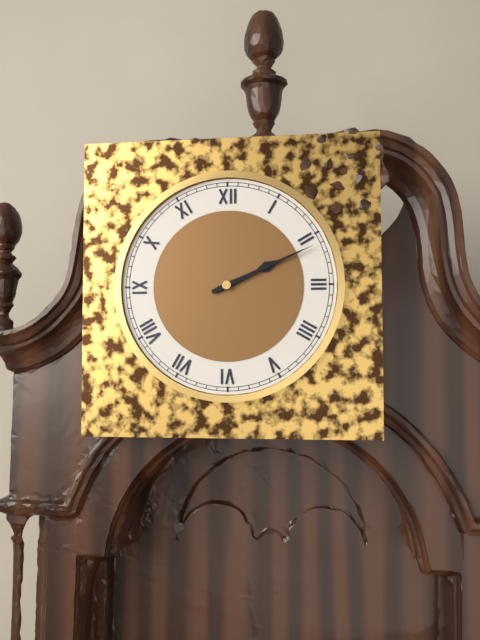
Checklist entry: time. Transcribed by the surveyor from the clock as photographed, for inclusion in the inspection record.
2:11
